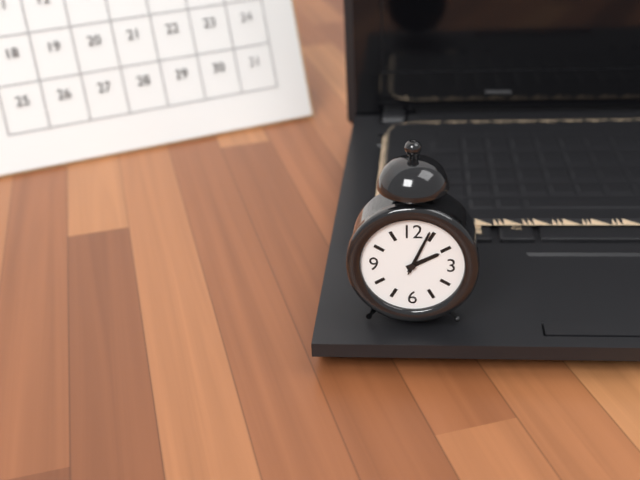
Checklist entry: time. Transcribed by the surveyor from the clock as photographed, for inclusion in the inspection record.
2:04
